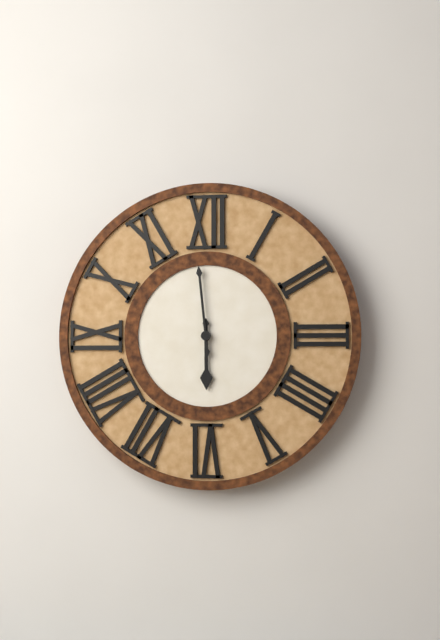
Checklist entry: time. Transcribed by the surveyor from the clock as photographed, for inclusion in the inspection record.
5:59
